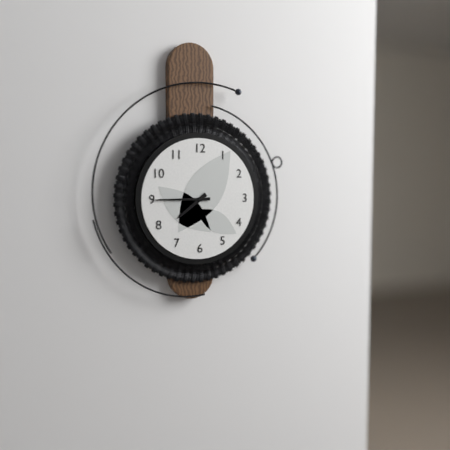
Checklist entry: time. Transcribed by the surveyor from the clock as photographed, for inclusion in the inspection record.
7:45
